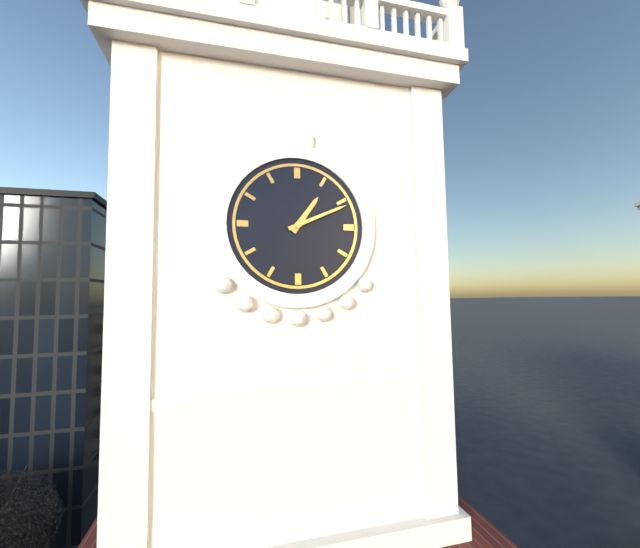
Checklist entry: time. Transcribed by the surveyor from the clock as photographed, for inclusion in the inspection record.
1:11
